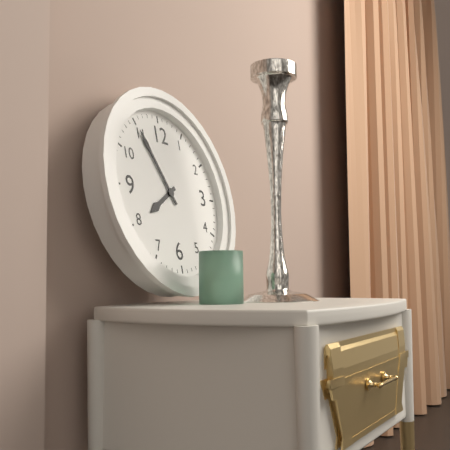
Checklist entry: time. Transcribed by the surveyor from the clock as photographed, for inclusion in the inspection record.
7:55
